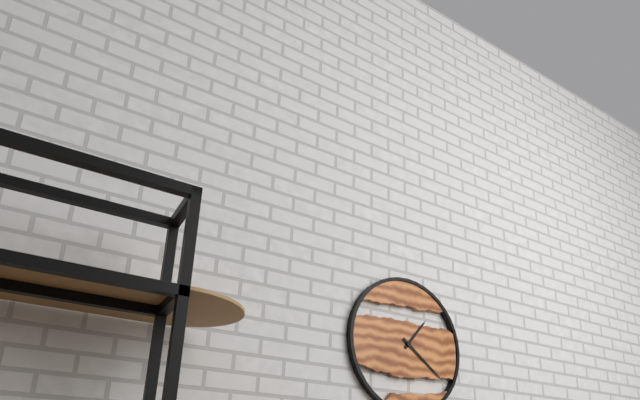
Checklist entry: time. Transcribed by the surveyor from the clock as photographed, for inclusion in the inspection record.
1:21
